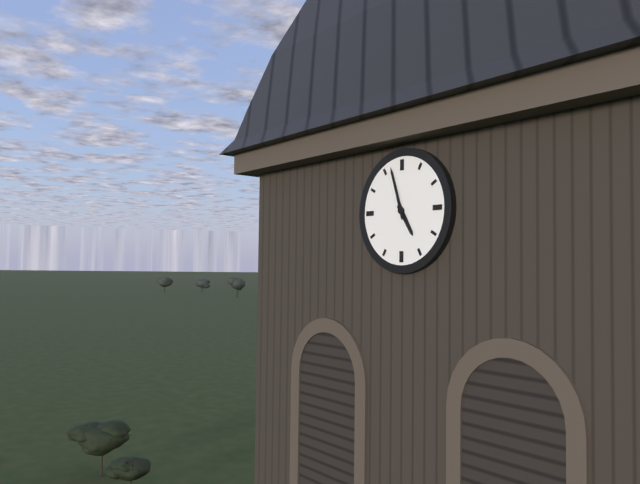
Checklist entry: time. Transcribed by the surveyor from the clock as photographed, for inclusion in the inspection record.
4:57
